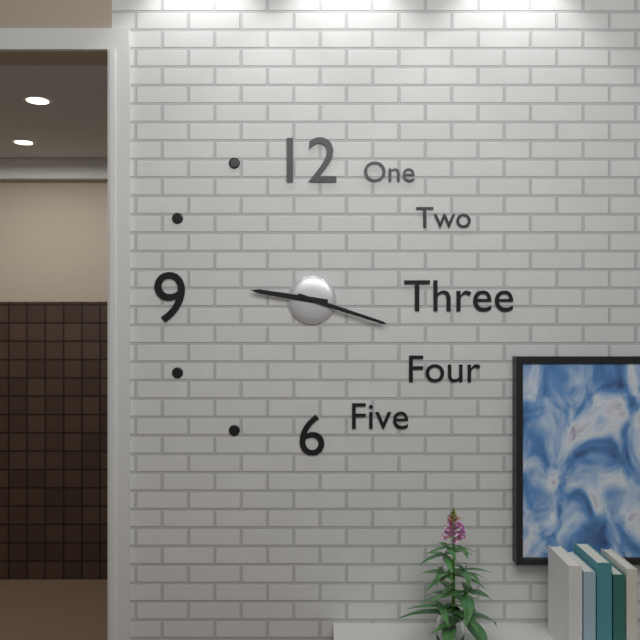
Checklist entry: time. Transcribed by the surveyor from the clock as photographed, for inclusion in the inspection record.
9:18
